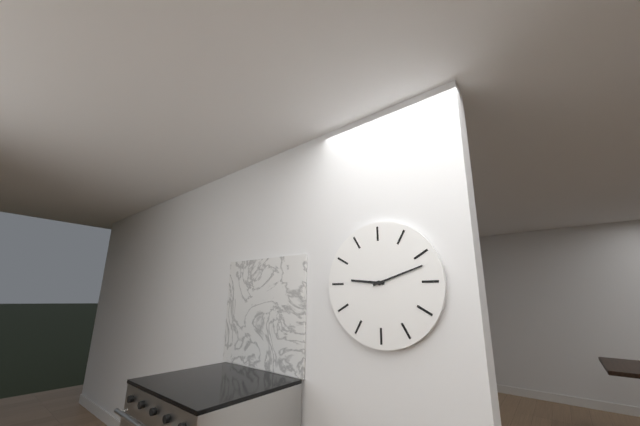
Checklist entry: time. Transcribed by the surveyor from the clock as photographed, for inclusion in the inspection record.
9:12
